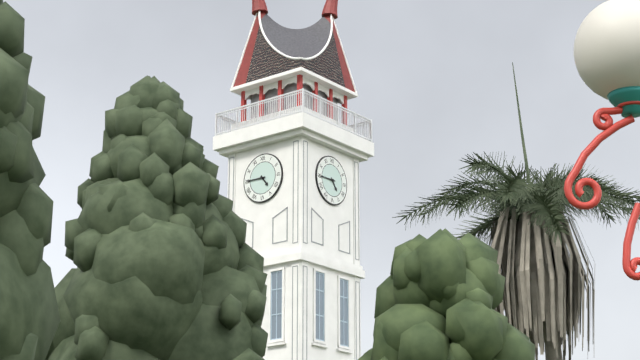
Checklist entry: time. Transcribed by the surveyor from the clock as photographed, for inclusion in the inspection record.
4:45
